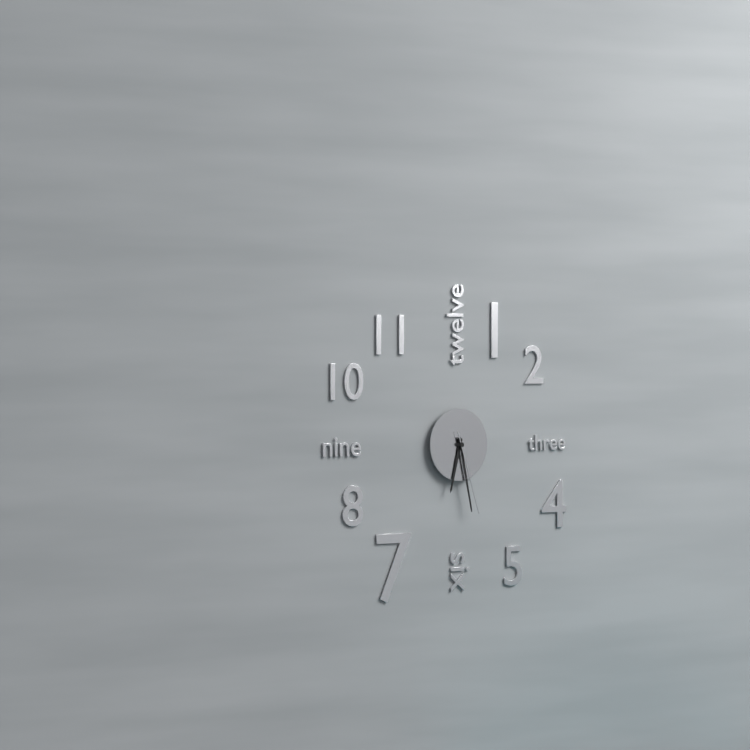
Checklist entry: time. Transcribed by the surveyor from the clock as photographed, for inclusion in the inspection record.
6:28:27
